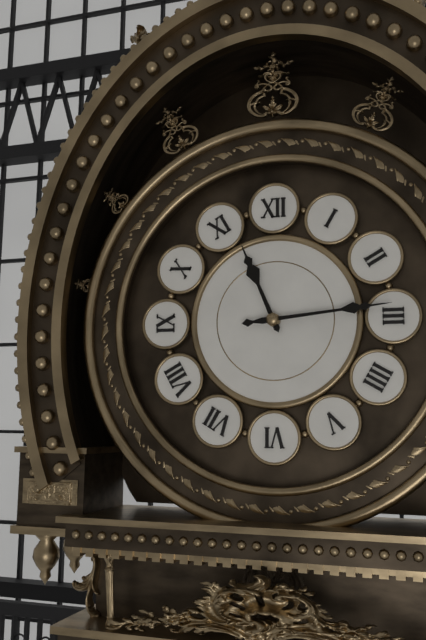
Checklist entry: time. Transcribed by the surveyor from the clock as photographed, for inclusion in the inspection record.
11:14
